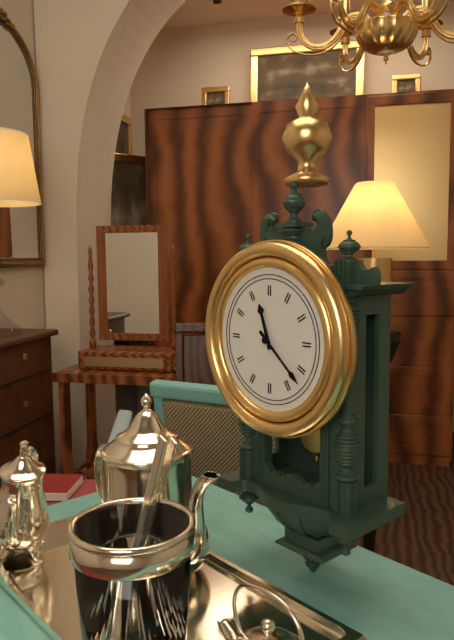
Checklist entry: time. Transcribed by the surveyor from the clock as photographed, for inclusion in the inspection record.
11:22
